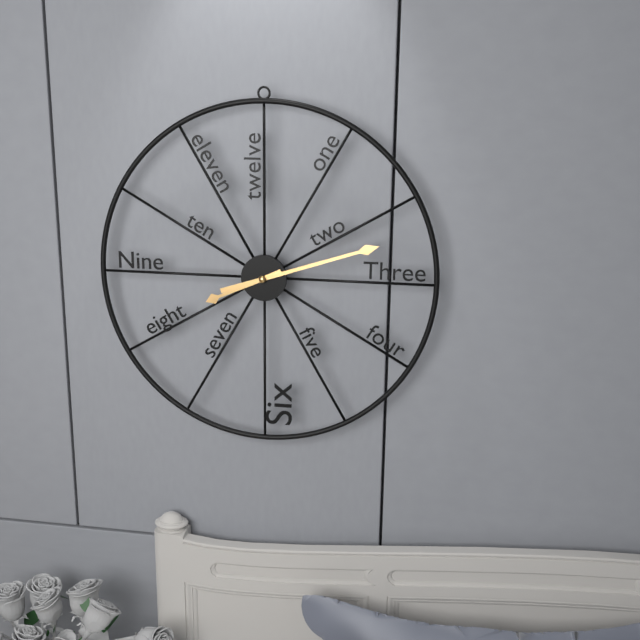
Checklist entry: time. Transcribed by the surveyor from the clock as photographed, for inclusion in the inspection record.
8:12
